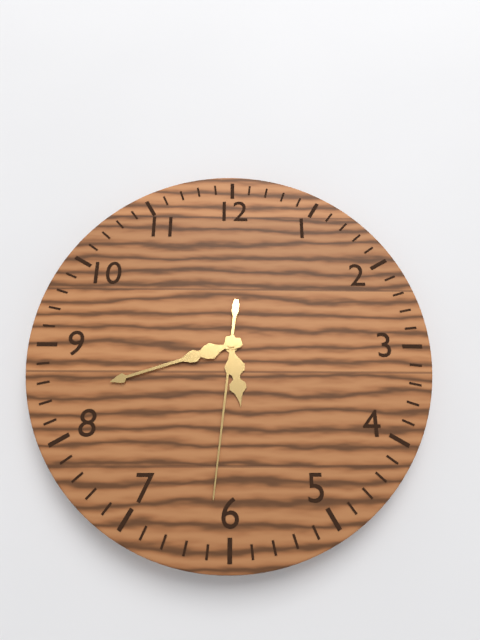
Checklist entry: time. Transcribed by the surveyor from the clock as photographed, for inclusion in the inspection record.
5:42:31
